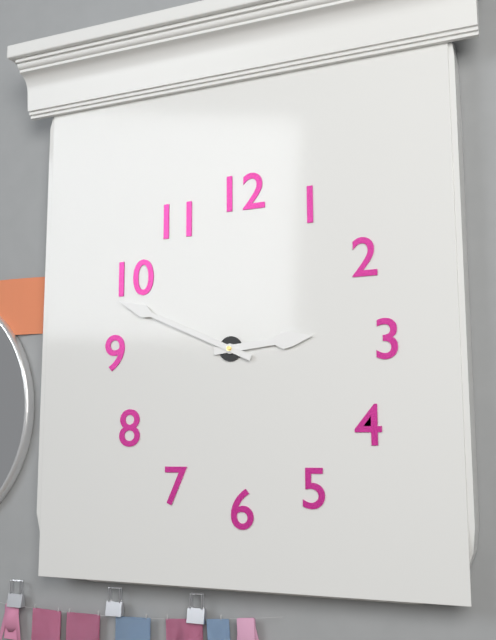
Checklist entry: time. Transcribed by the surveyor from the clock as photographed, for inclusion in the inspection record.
2:49
